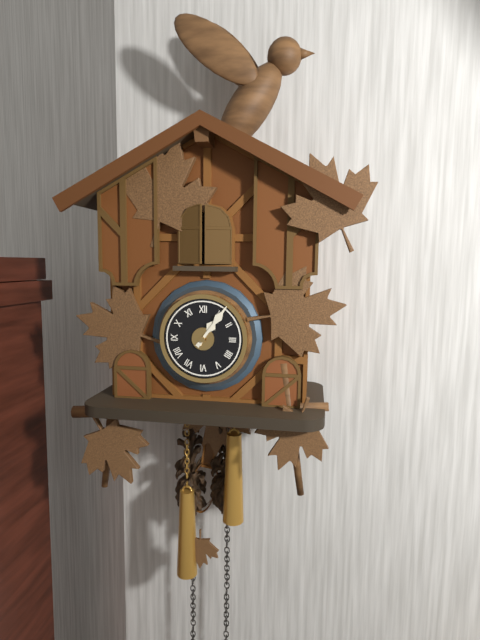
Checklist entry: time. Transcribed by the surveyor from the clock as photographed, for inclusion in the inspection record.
1:06
